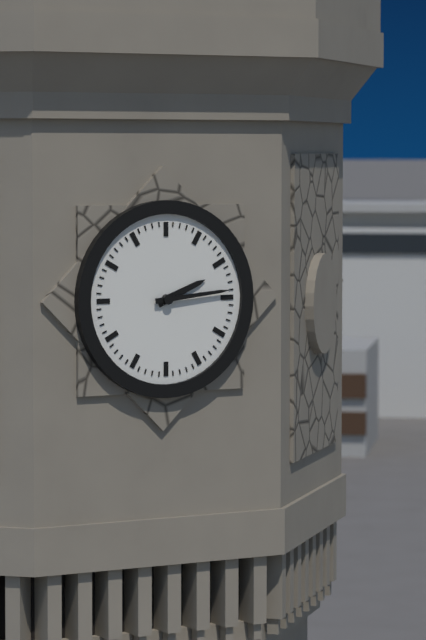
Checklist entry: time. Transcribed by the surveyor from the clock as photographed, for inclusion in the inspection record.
2:14
